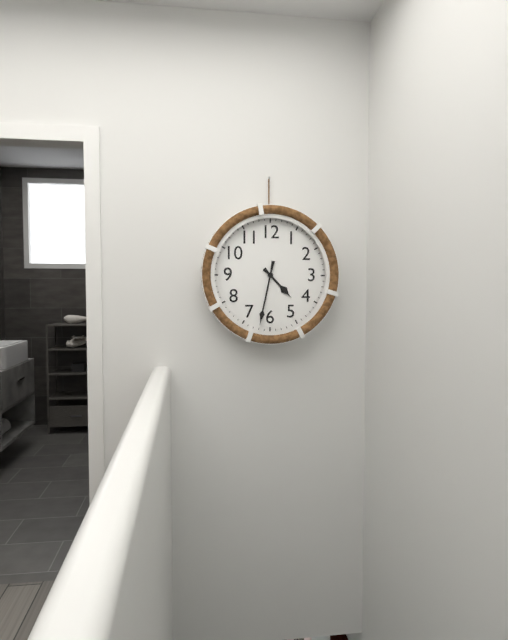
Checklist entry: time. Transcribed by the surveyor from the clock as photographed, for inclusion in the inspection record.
4:32
